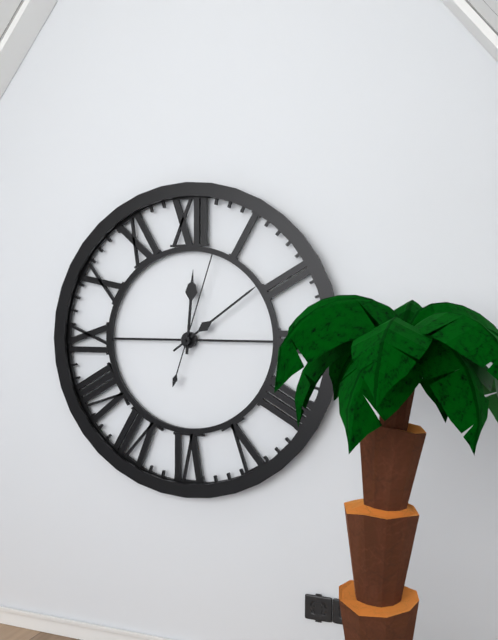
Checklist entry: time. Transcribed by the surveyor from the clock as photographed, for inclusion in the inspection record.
12:09:03
